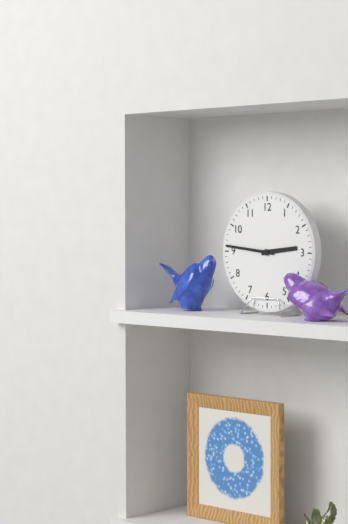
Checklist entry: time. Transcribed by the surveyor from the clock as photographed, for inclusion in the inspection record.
2:46
